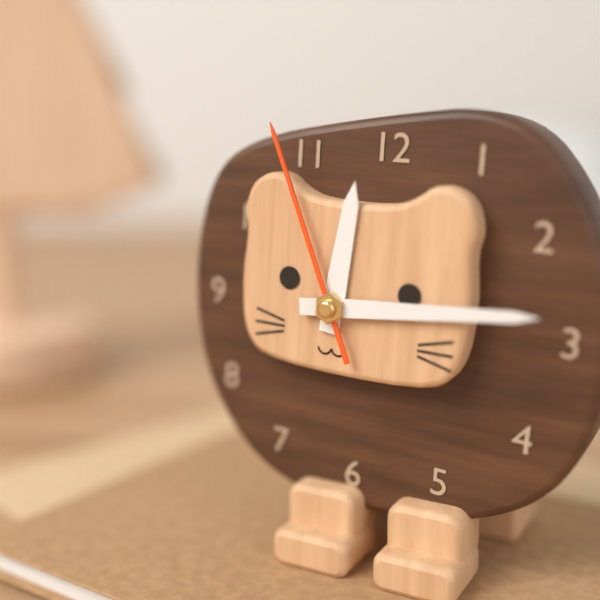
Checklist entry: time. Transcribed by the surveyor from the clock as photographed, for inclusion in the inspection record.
12:14:56
